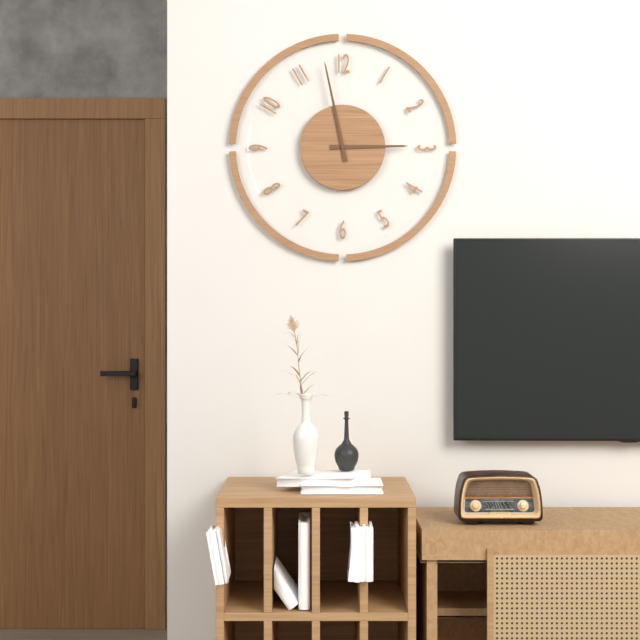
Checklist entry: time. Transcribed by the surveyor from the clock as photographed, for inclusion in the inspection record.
2:58
